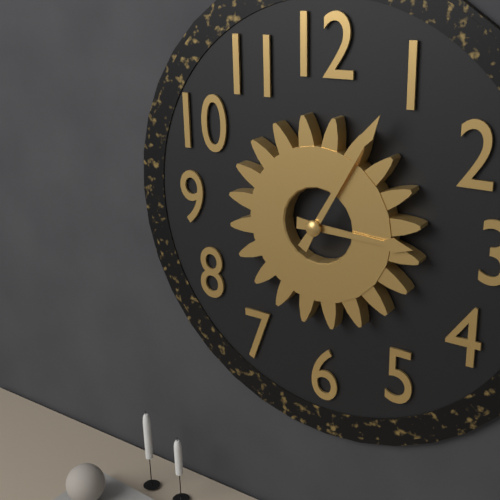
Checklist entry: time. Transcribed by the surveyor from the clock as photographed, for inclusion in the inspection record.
3:05
